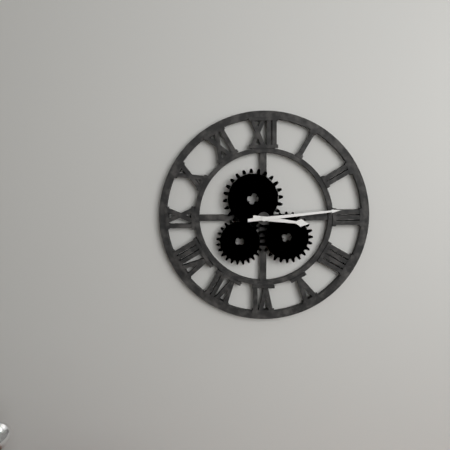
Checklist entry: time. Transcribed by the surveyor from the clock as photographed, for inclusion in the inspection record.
3:14
